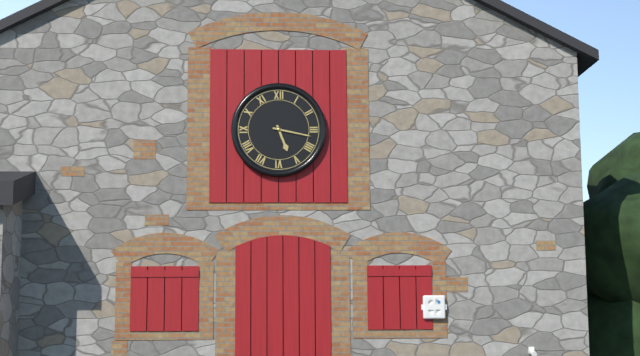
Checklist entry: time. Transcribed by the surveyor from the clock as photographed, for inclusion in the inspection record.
5:17
